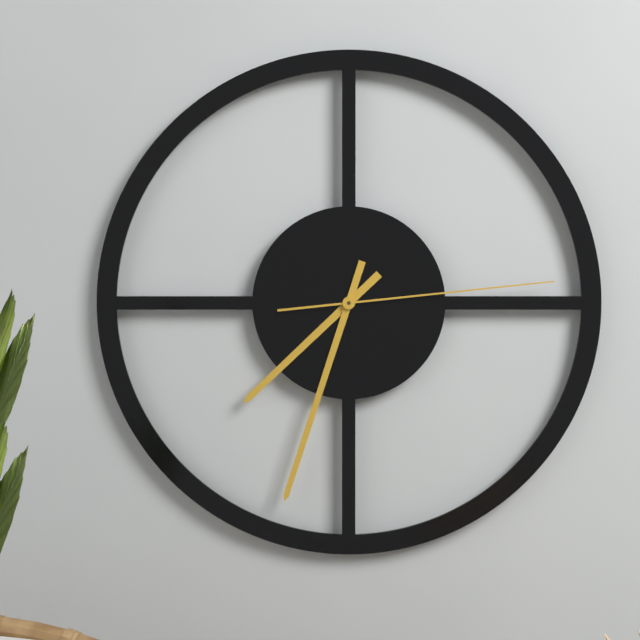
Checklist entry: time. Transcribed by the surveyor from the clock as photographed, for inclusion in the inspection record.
7:33:14
